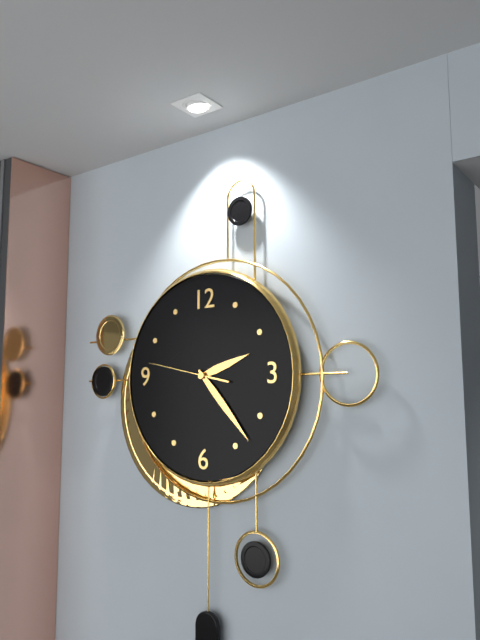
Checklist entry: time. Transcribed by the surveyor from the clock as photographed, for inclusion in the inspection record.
2:23:47
